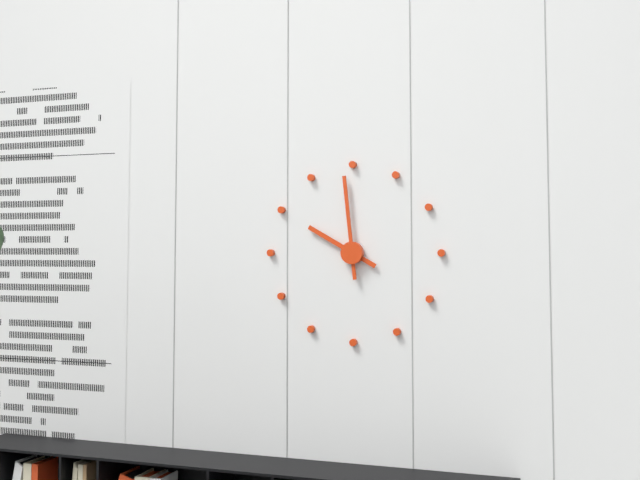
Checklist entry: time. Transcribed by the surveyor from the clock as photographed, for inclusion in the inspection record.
9:59
